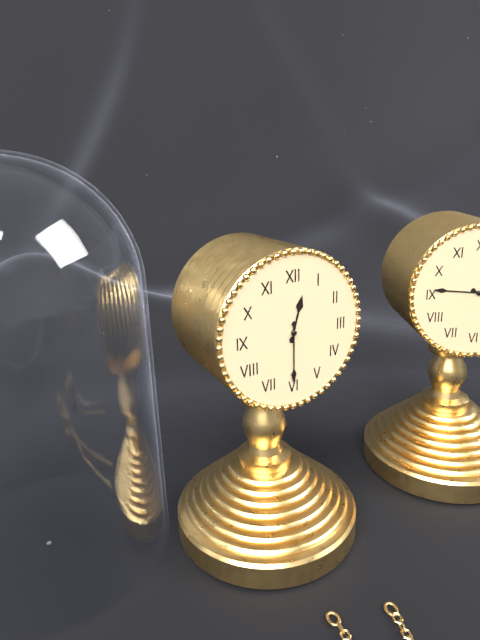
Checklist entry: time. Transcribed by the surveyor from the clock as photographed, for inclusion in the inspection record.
12:30
